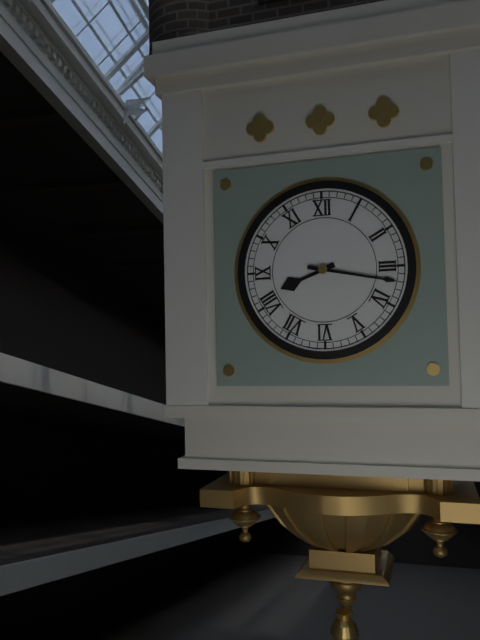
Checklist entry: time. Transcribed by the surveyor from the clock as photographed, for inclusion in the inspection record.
8:17
